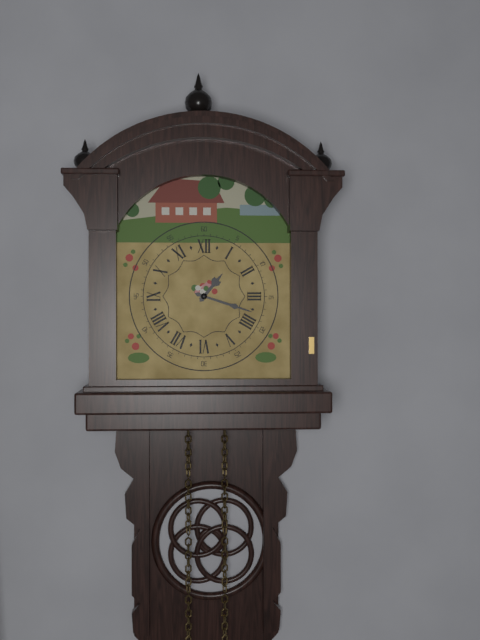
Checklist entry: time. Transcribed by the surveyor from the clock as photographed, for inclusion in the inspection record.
1:18
